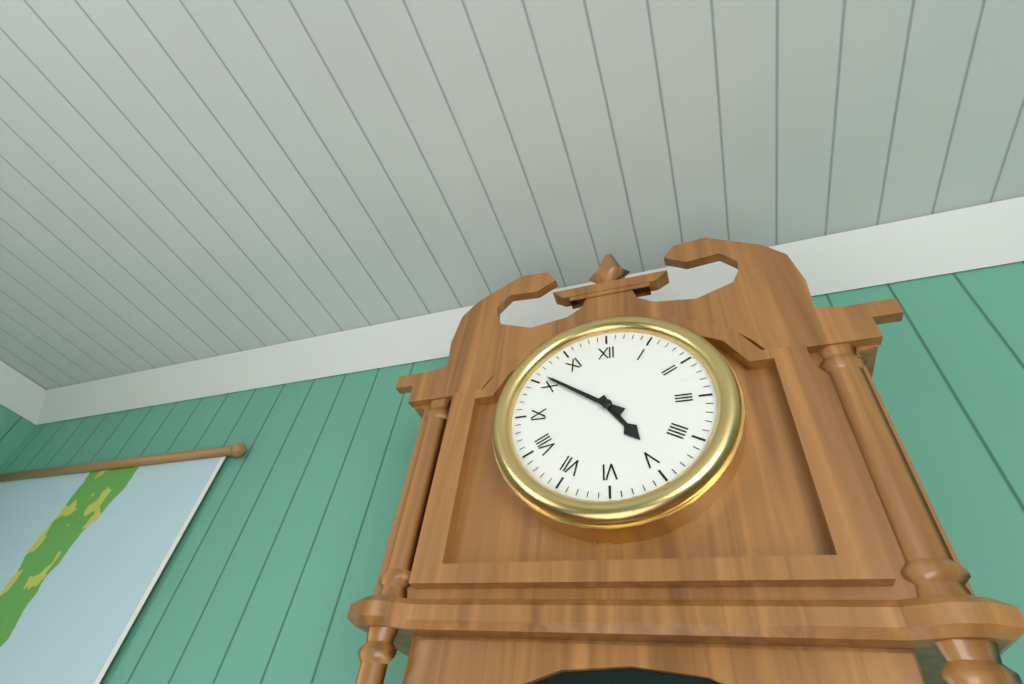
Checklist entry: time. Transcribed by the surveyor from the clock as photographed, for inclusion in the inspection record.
4:51
